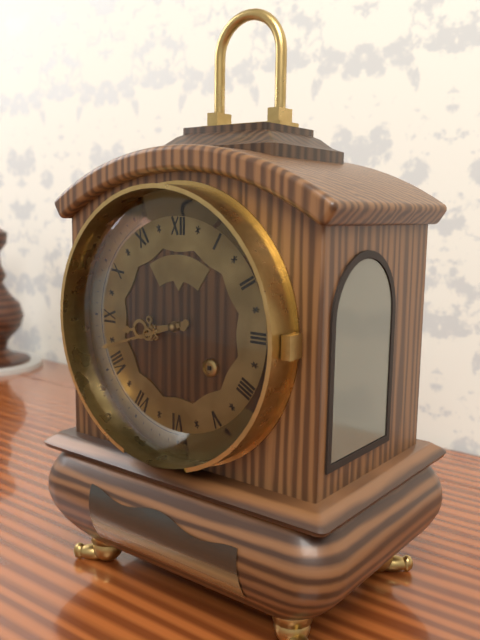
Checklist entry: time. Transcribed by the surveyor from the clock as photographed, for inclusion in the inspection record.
8:42
